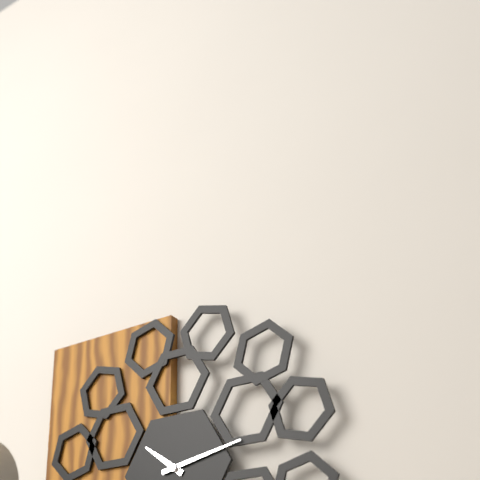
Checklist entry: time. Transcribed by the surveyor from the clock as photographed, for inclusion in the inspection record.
10:13
